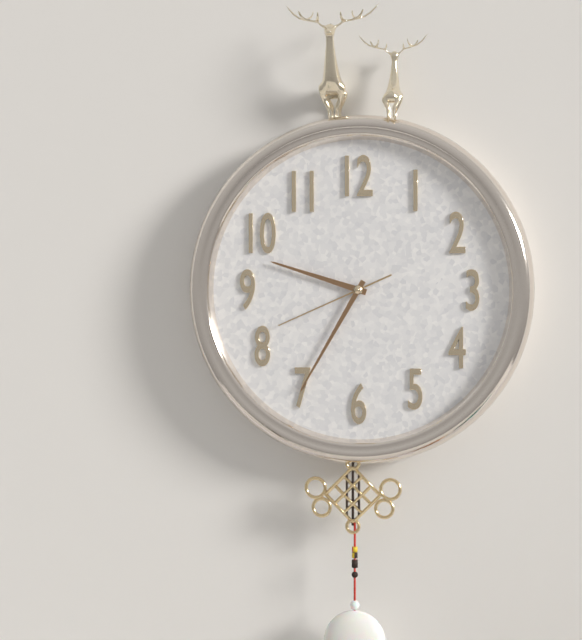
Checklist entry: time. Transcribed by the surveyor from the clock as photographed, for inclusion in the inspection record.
9:35:41
